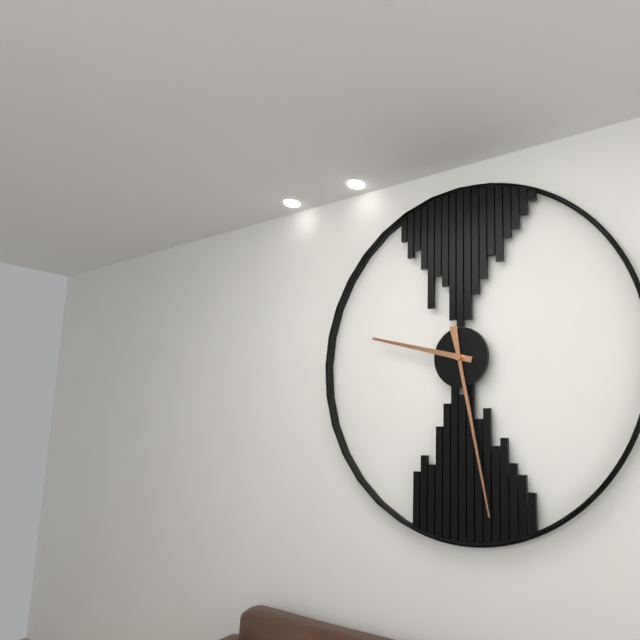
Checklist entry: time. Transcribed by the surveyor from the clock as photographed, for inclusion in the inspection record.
9:28
